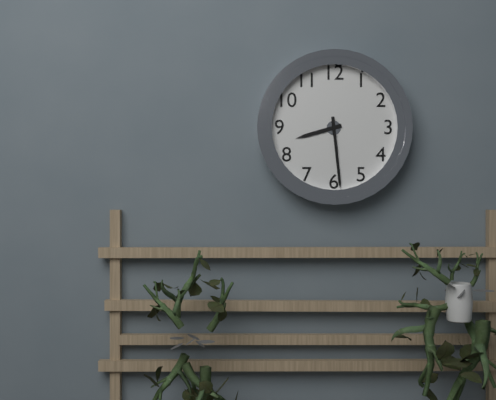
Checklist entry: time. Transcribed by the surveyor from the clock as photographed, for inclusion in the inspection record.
8:29
